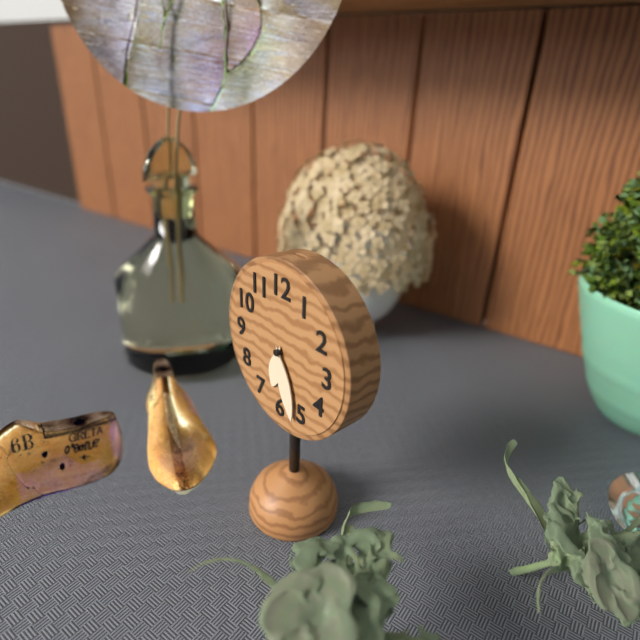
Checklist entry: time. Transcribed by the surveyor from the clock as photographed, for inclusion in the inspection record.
6:27
